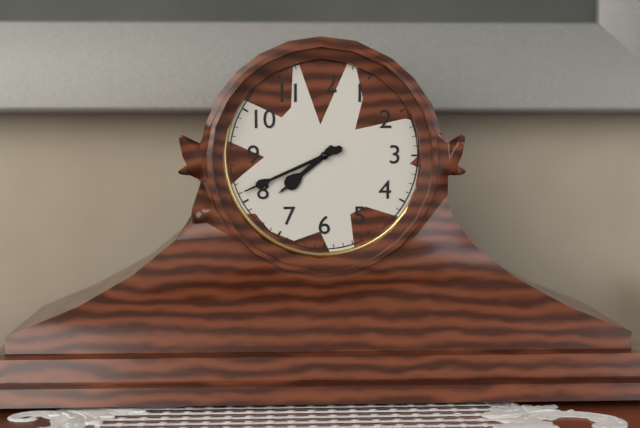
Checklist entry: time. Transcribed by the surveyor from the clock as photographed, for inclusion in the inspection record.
7:41
